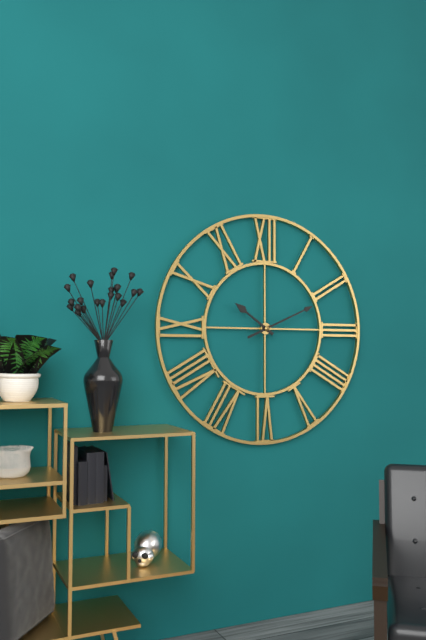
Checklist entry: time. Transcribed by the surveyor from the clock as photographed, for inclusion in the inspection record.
10:11
